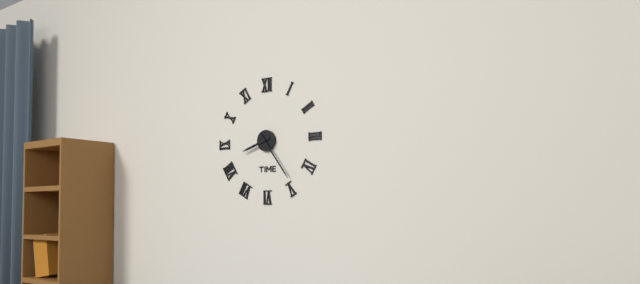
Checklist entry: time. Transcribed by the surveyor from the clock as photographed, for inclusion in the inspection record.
8:24
